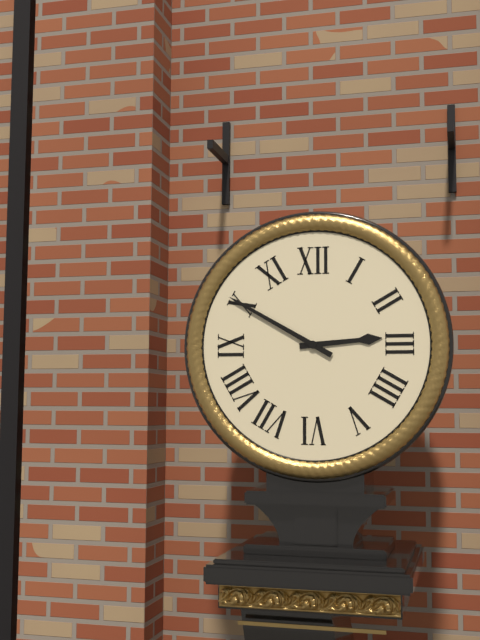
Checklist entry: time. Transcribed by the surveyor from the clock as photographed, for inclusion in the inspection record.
2:50
